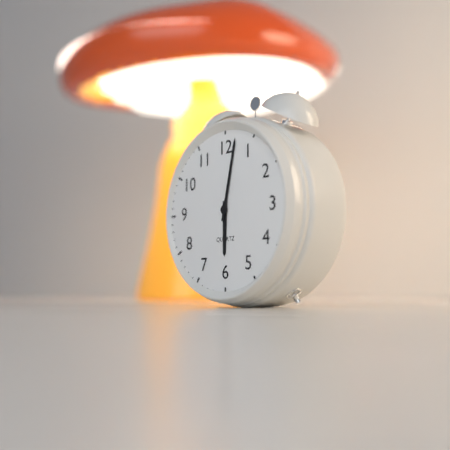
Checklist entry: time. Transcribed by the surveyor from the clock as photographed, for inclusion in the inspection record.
6:02
